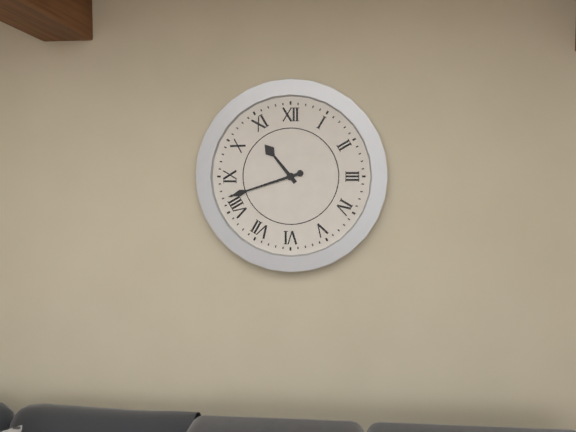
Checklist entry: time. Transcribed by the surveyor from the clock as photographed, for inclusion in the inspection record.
10:42
